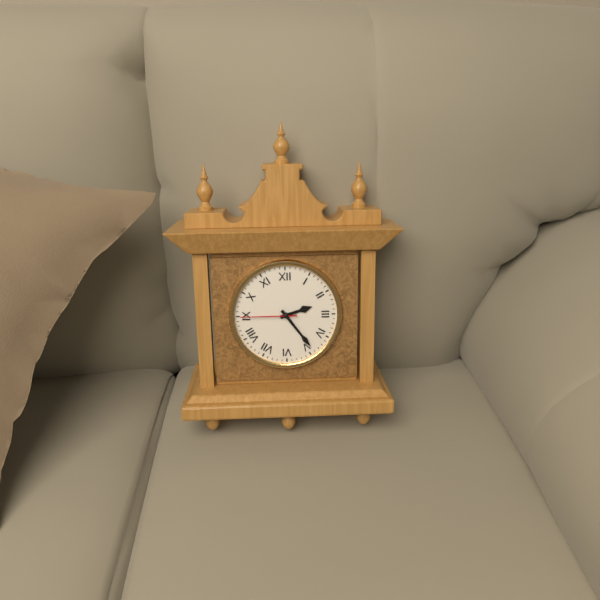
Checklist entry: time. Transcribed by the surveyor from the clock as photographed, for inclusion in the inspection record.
2:24:45
